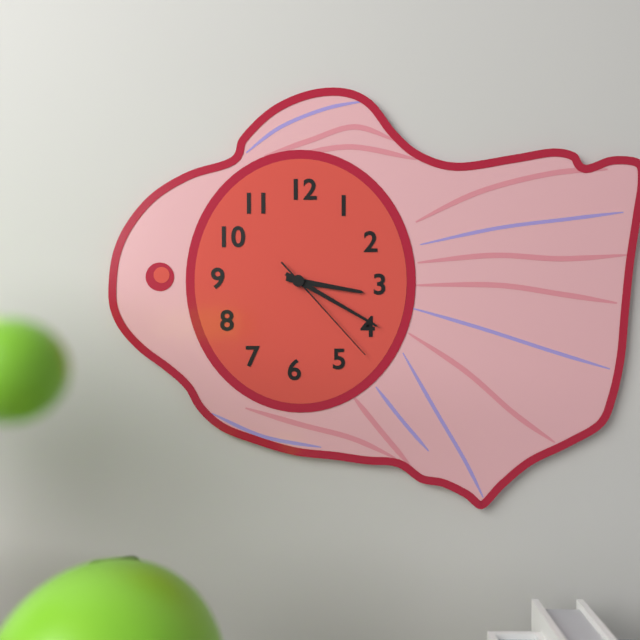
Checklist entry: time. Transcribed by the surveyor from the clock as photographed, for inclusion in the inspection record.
3:20:23
